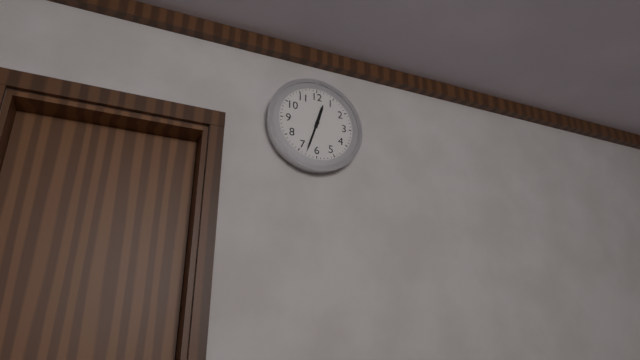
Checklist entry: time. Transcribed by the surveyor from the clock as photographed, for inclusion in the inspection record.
12:33
